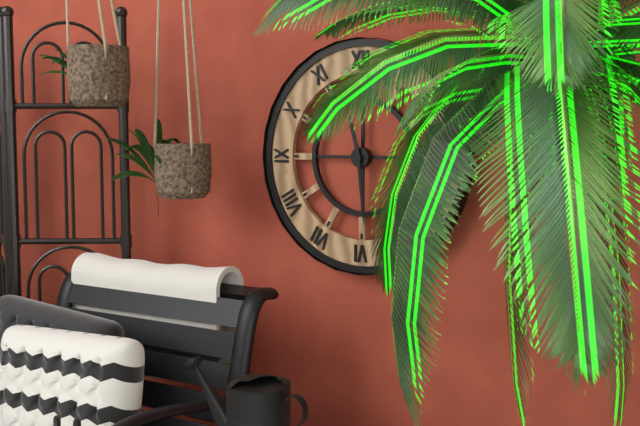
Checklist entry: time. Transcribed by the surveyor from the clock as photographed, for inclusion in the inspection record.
11:29
